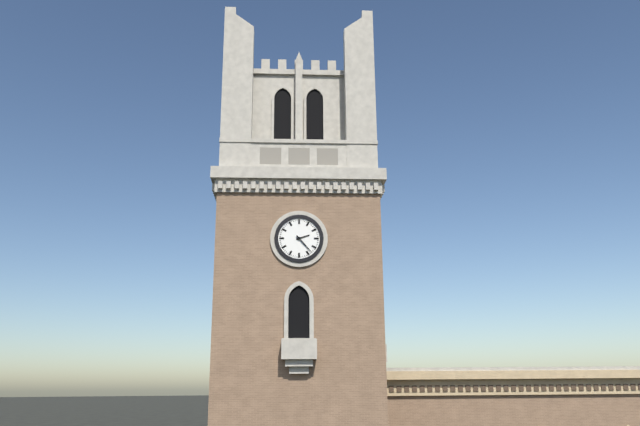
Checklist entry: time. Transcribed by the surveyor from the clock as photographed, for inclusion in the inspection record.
2:23
